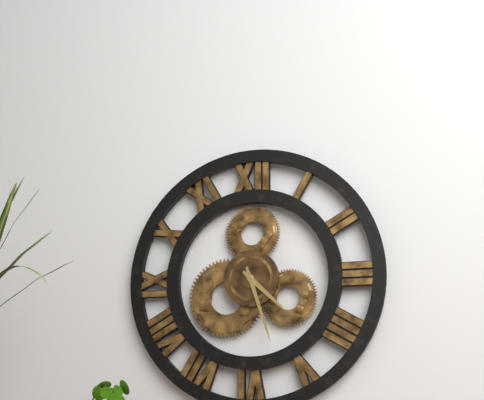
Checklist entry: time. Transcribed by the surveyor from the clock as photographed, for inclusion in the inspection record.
4:27
